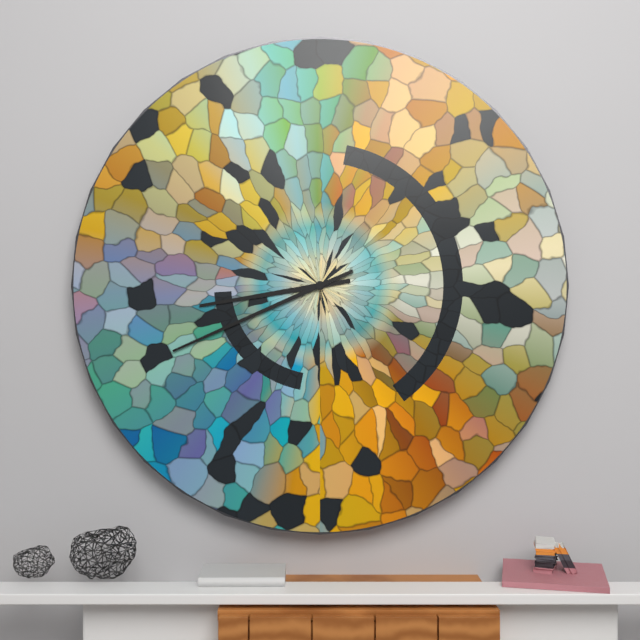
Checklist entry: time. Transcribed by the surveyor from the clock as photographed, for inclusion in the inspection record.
8:41
